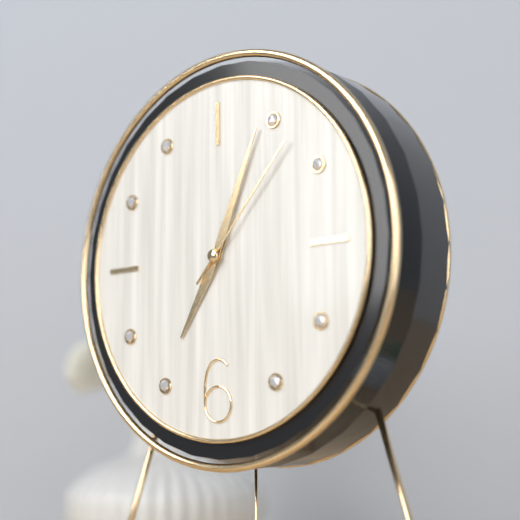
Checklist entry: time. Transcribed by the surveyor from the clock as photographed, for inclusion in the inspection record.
7:04:07
